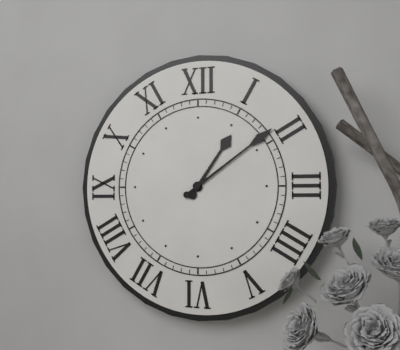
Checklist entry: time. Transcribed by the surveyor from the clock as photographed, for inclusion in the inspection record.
1:09
